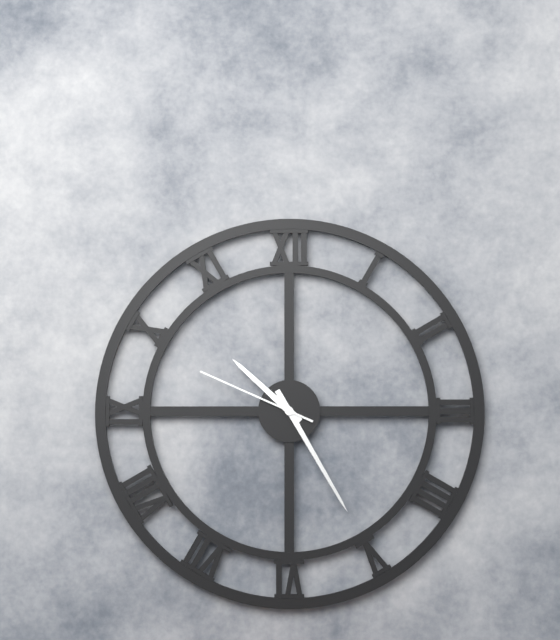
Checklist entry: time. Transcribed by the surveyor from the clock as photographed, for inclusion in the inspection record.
10:25:49
